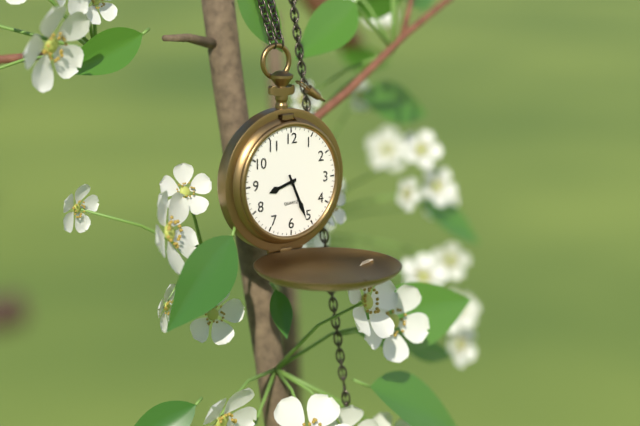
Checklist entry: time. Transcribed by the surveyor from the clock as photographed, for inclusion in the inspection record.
8:26
